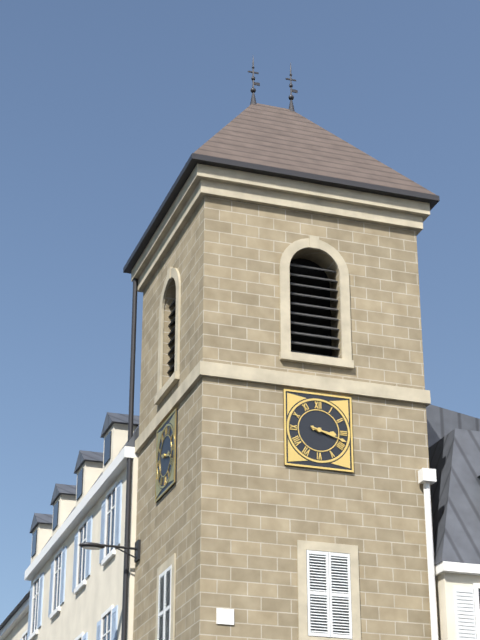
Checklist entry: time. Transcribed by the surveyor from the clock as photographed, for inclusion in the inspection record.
3:18
